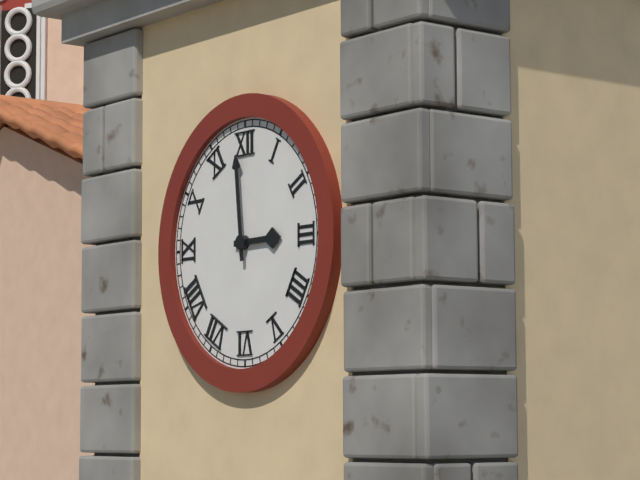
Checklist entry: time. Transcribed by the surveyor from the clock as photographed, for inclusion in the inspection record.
2:59
